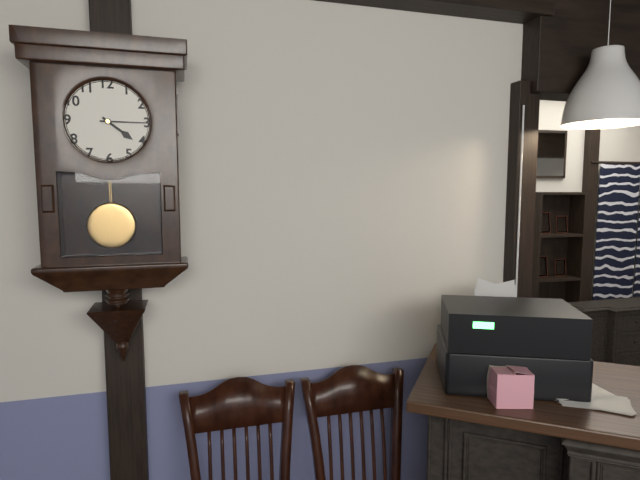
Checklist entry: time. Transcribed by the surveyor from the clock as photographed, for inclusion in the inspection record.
4:15
